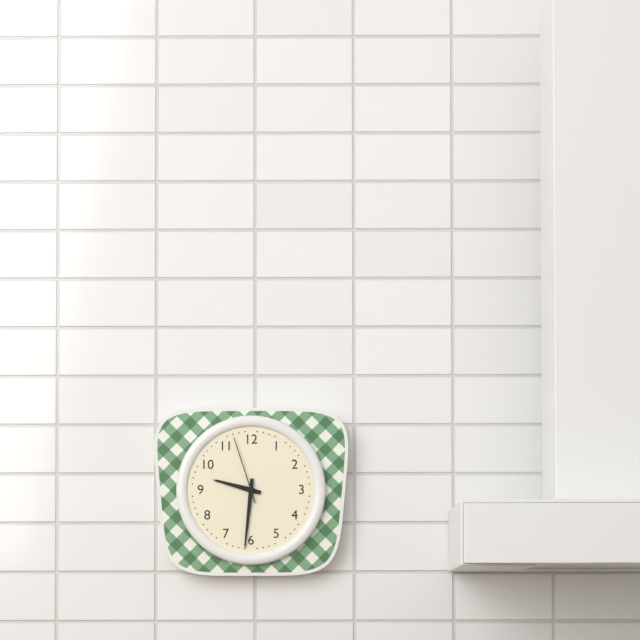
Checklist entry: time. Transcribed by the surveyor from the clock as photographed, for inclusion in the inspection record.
9:31:57
